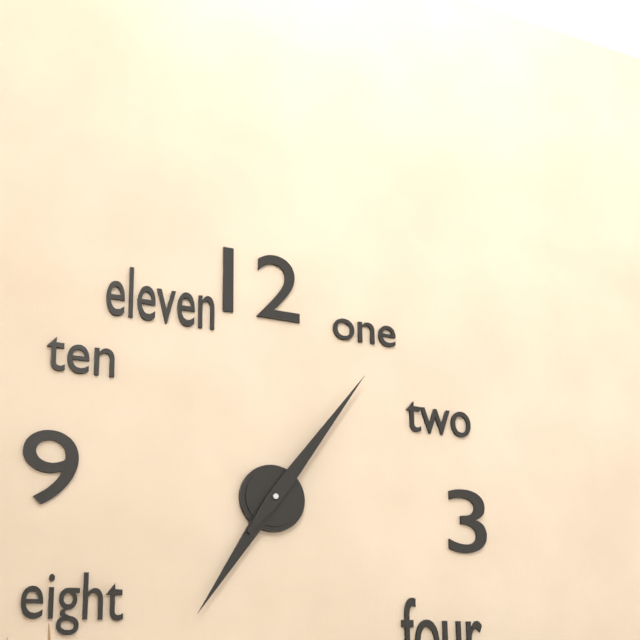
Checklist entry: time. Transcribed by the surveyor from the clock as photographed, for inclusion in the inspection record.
7:06
